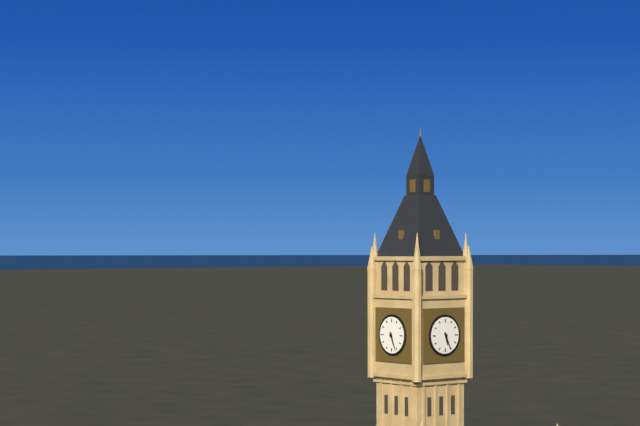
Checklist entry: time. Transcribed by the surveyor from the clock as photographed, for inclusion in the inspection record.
5:26
